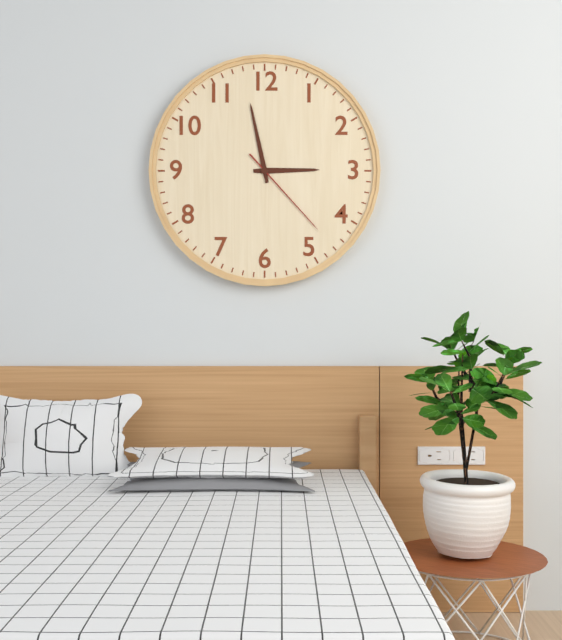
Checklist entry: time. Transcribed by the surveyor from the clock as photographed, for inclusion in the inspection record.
2:58:23
